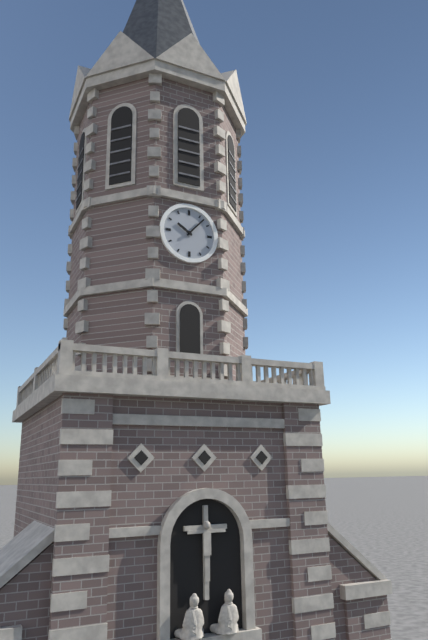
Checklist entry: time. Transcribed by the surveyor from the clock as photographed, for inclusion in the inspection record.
10:07
